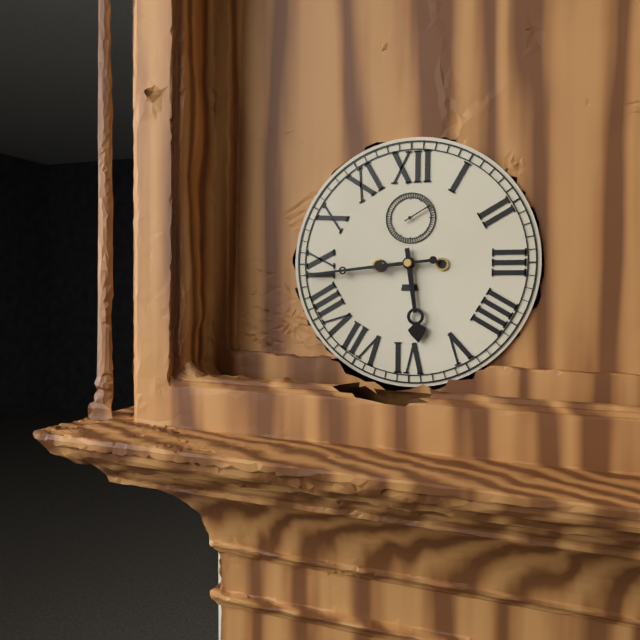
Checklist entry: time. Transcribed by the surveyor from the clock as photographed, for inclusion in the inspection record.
5:44
